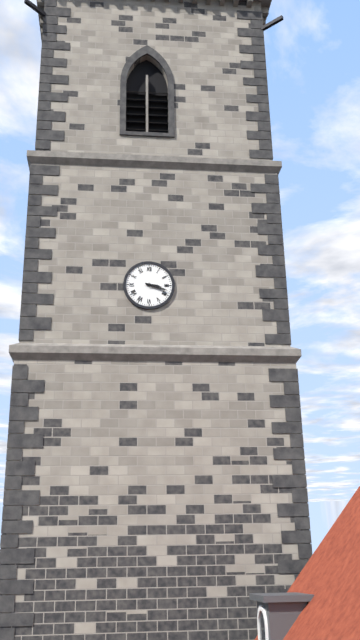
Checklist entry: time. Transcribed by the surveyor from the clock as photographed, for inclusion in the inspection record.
3:18
